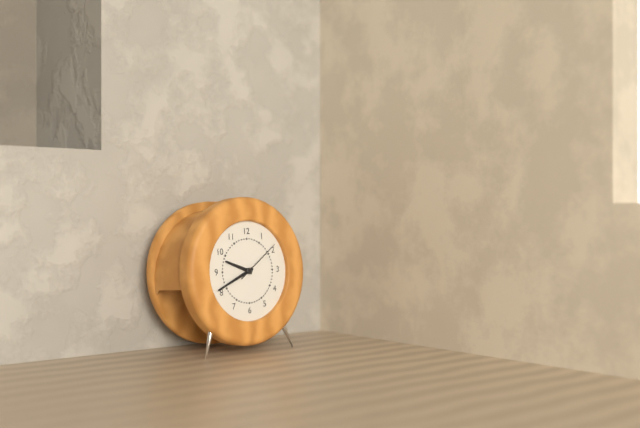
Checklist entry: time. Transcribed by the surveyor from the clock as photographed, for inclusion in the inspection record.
9:41
